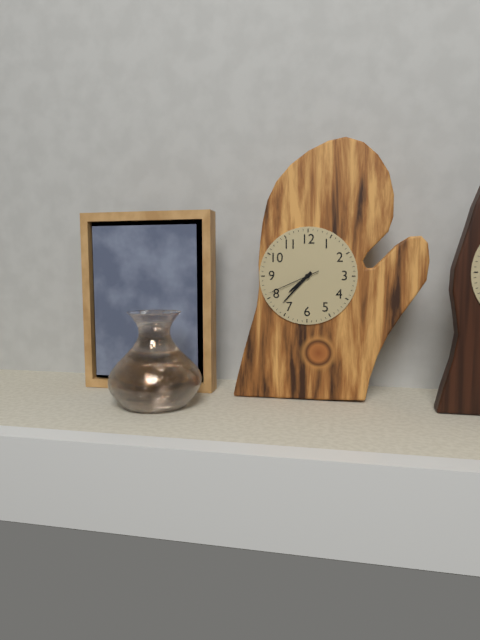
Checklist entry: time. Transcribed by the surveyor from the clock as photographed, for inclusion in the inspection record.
7:37:41
